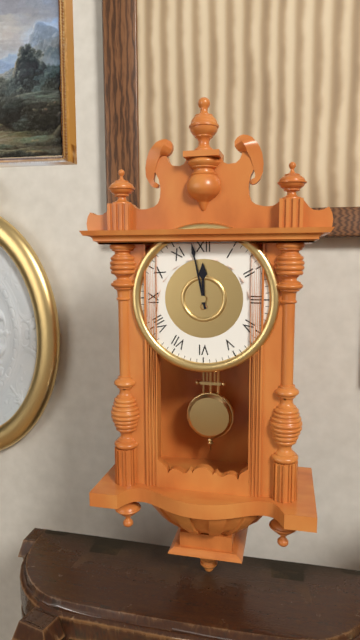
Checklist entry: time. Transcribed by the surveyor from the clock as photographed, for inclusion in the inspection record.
11:58
